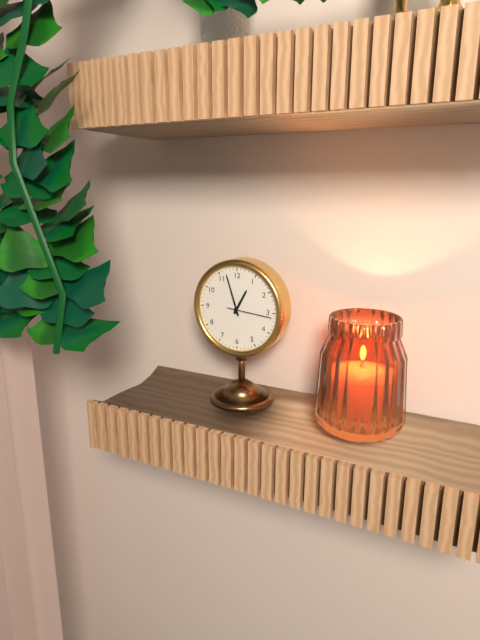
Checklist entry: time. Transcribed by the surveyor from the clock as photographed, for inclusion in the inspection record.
12:57
